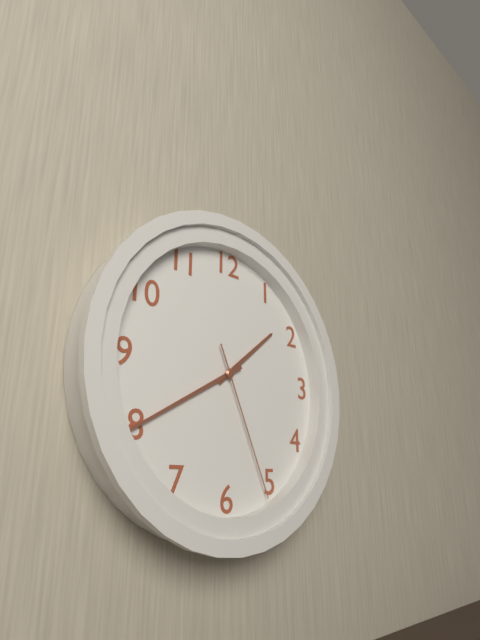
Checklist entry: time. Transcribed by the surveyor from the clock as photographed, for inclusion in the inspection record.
1:40:26
